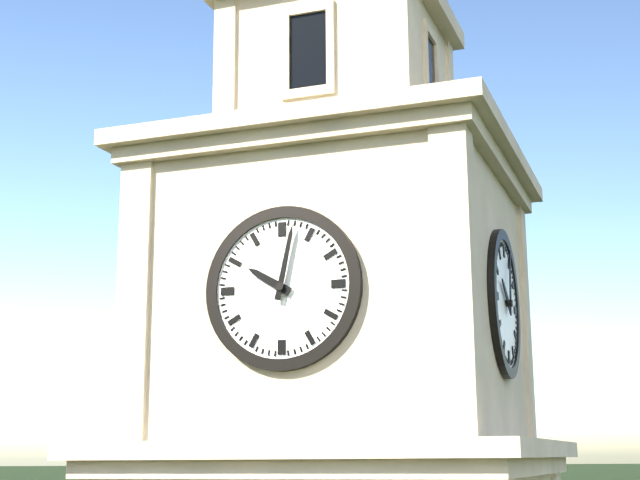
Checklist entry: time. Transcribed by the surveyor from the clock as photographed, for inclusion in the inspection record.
10:02
